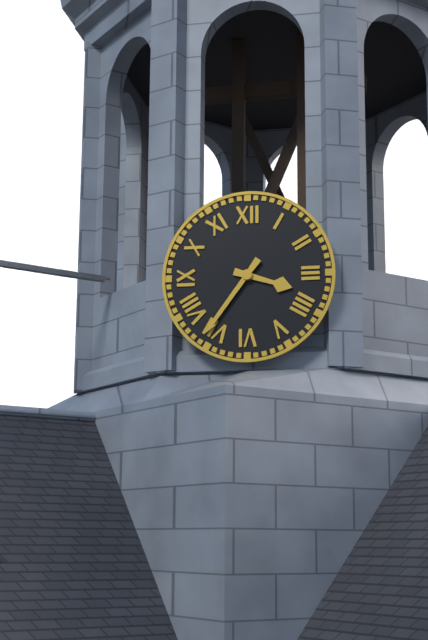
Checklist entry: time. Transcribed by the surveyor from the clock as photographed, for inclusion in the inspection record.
3:36
